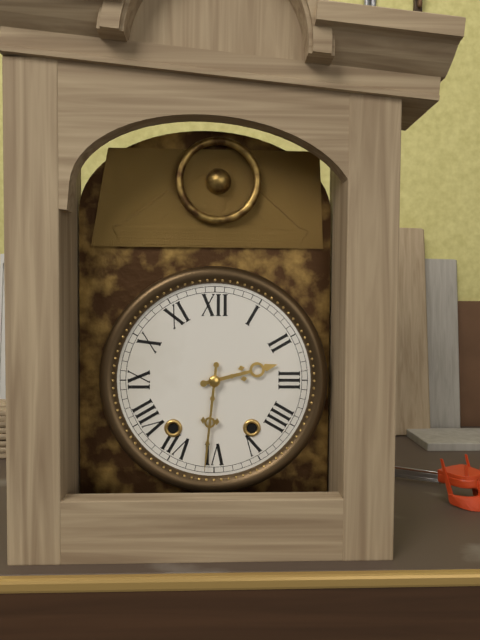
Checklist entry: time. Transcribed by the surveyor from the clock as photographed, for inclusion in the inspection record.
2:31
